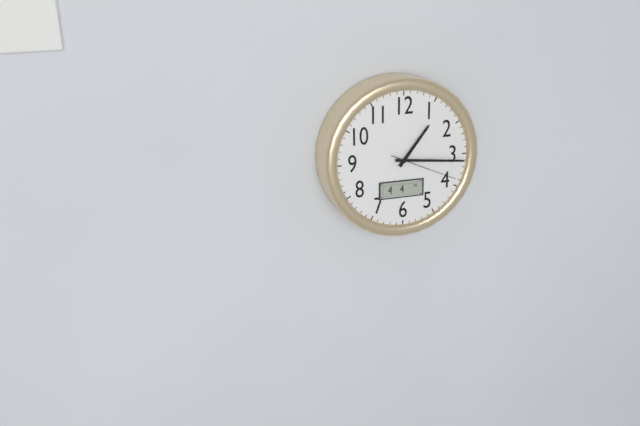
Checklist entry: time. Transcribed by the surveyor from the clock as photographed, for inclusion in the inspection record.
1:16:19
